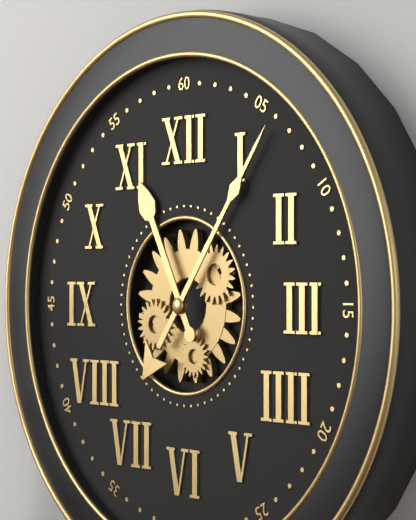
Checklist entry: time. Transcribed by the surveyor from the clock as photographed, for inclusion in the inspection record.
11:06
